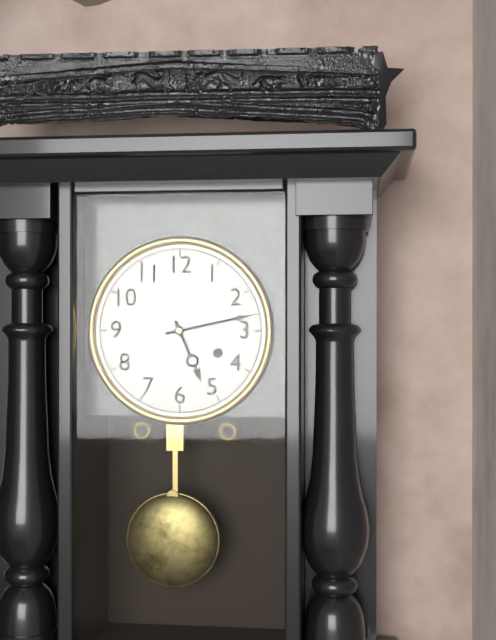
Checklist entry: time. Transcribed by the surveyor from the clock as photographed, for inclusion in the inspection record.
5:13
